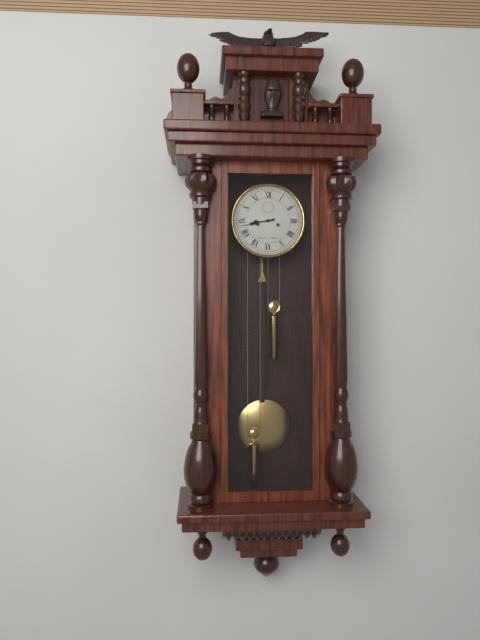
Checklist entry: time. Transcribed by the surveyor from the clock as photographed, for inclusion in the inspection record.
8:43
